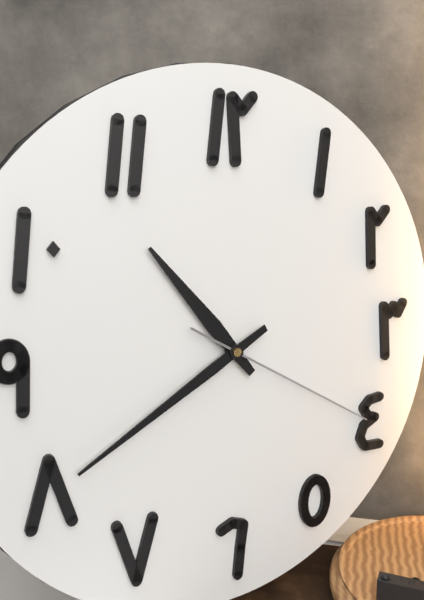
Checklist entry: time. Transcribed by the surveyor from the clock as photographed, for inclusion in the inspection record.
10:40:20
